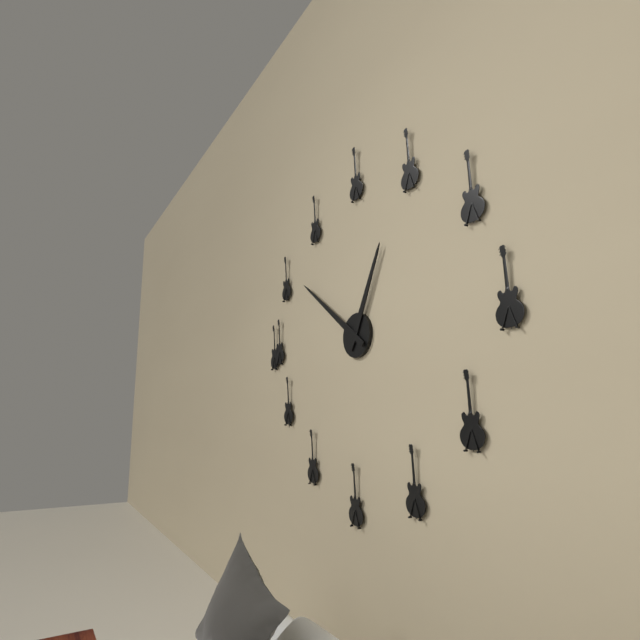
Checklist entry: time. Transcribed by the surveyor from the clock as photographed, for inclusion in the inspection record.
12:51
